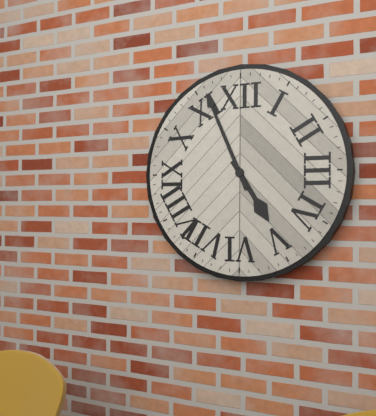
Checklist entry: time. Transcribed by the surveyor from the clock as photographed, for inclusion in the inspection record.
4:56
